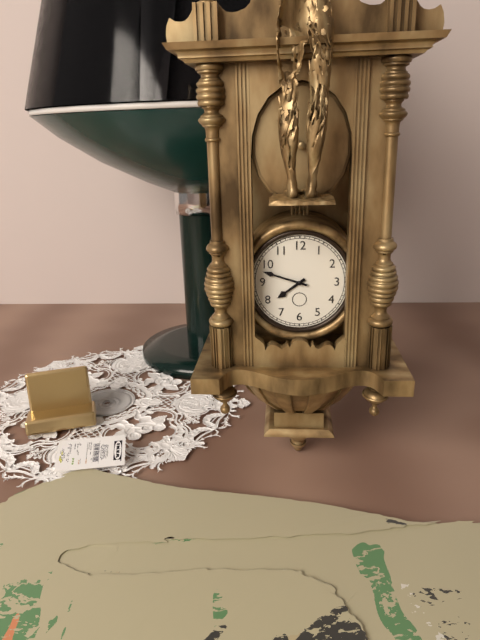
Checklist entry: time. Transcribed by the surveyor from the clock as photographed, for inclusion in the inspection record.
7:48
